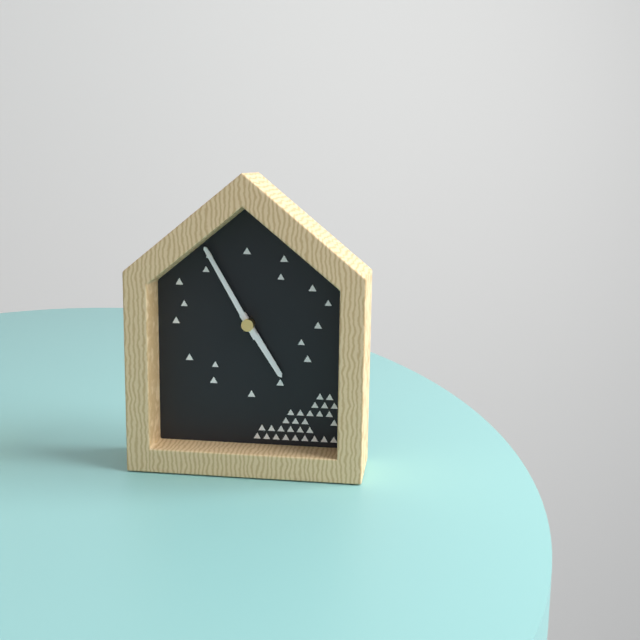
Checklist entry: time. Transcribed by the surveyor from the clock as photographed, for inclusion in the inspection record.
4:55
